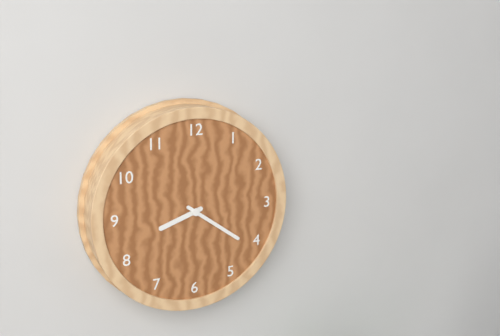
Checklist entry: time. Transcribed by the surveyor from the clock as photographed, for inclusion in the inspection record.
8:21
